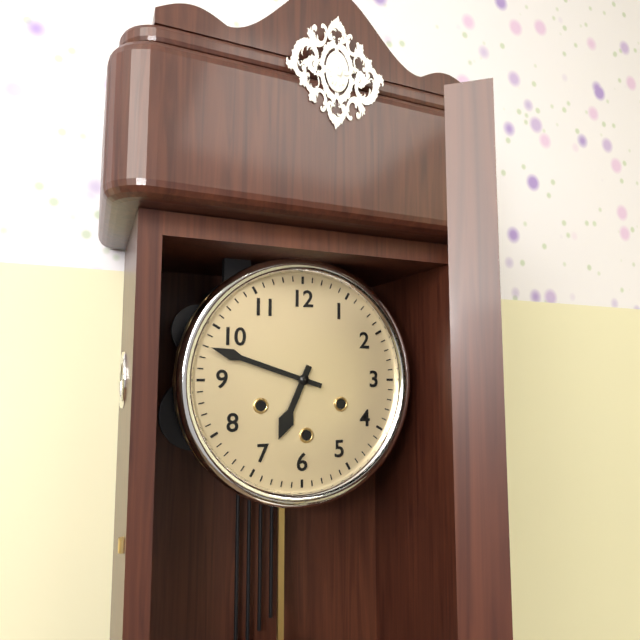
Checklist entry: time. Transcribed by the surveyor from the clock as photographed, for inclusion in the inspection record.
6:48
